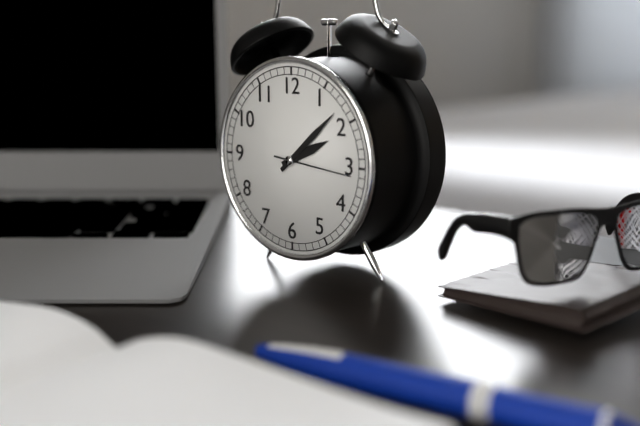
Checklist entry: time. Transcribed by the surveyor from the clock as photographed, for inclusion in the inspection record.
2:08
